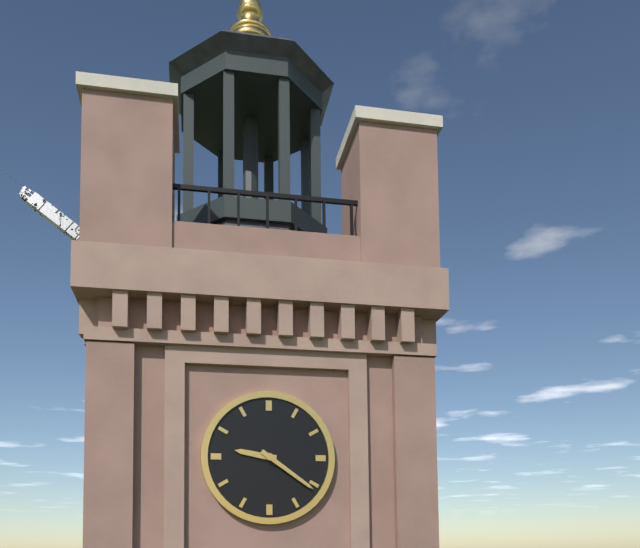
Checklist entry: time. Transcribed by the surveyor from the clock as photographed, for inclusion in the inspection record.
9:21
